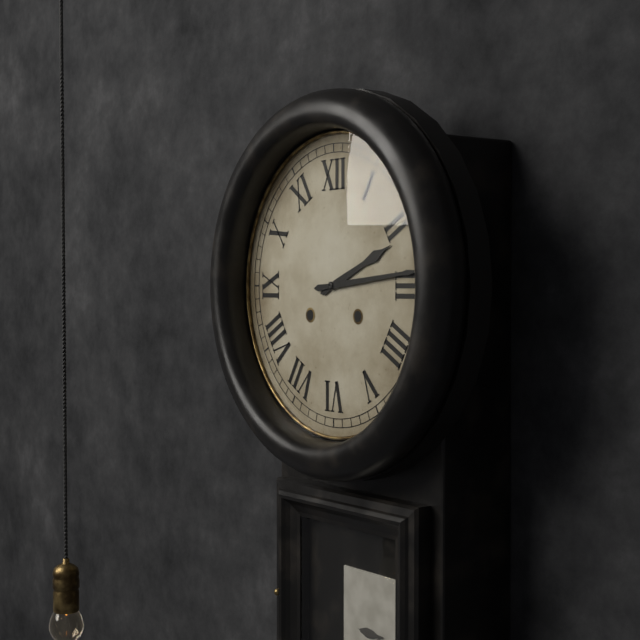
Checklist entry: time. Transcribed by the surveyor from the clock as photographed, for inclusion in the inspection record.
2:14
